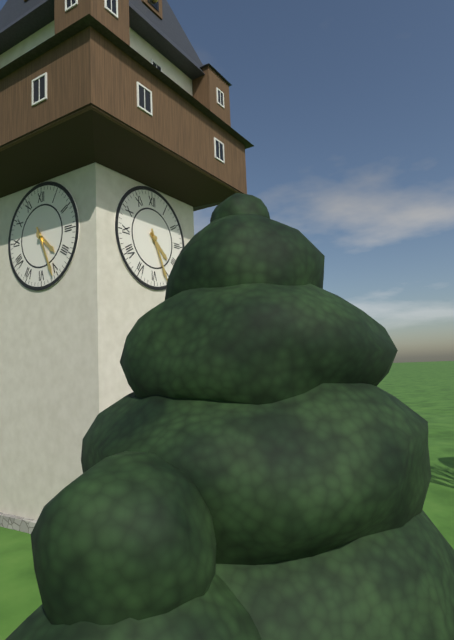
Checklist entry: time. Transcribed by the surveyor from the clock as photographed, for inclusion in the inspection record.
4:26
